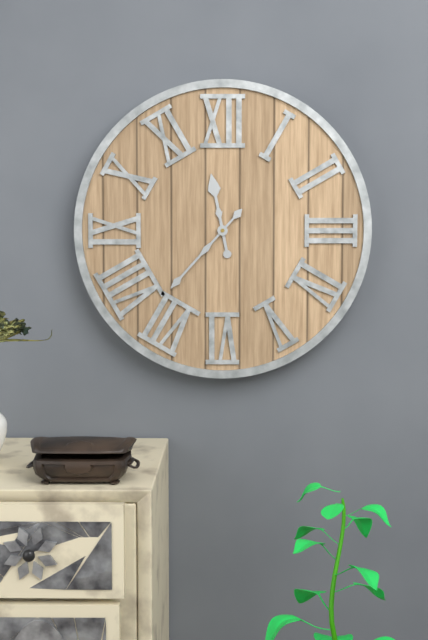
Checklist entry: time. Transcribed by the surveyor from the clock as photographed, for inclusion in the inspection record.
11:37
